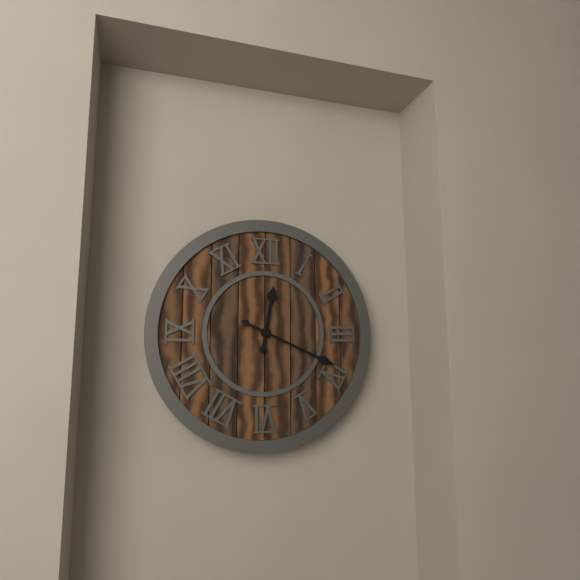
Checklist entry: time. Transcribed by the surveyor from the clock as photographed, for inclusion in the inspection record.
12:19
